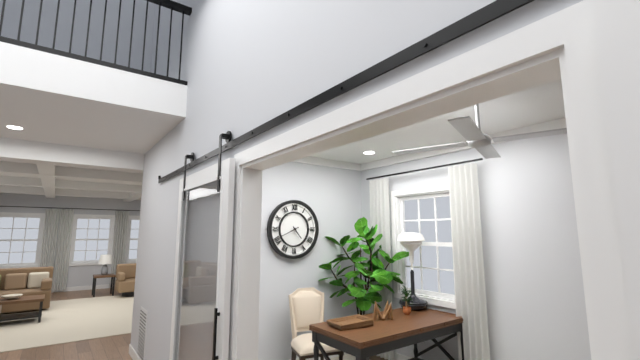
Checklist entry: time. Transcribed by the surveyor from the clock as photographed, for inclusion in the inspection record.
4:41
